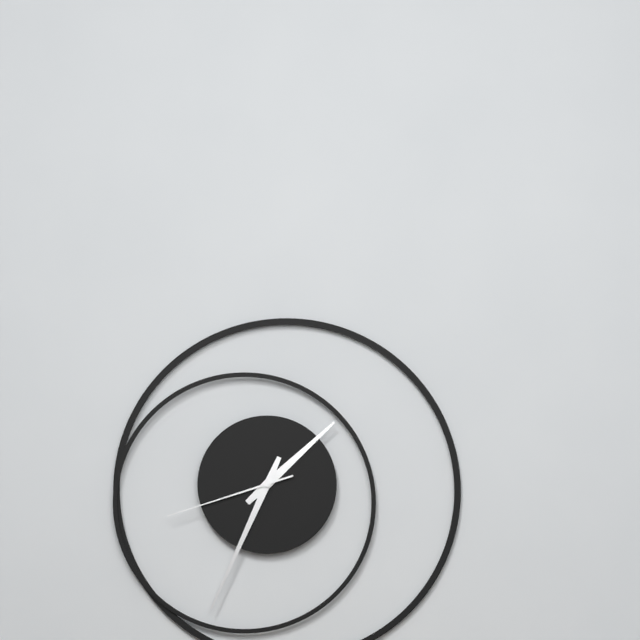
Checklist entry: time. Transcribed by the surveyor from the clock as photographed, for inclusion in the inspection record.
1:34:42
